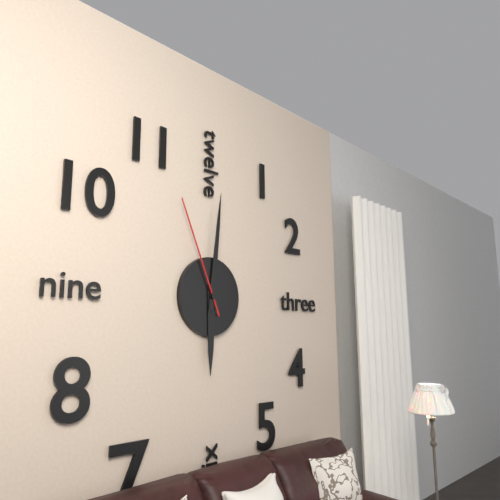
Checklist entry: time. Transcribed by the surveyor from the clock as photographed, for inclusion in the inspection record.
6:01:56
